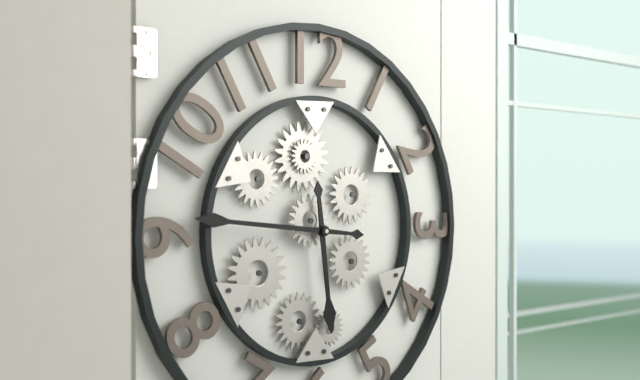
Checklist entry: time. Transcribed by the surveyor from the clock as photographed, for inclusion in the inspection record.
5:46
